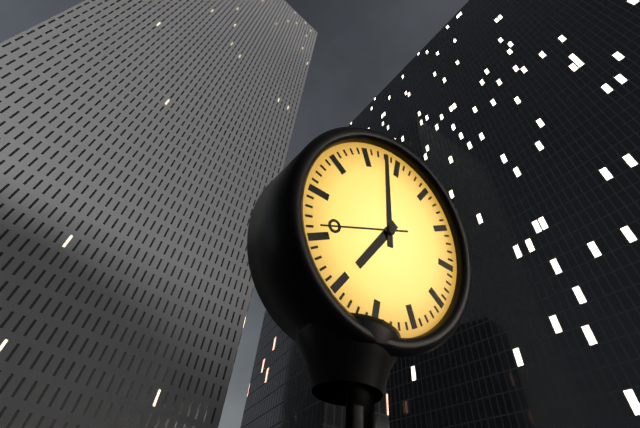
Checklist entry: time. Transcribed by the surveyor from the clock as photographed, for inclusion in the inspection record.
6:58:41
